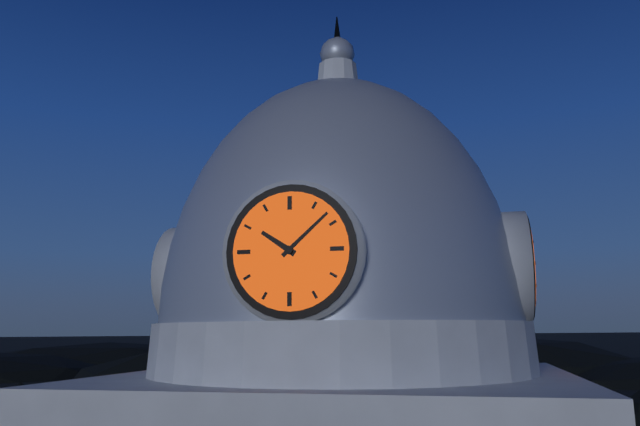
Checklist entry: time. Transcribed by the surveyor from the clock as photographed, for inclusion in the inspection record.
10:08
